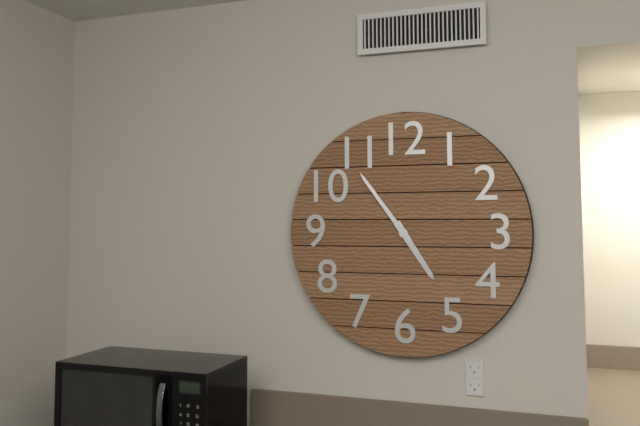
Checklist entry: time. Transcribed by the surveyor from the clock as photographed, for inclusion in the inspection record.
4:54
